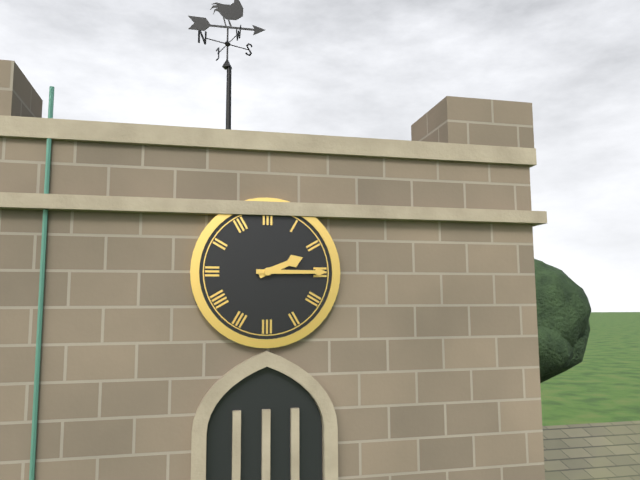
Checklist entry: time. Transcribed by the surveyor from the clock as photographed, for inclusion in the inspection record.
2:15
